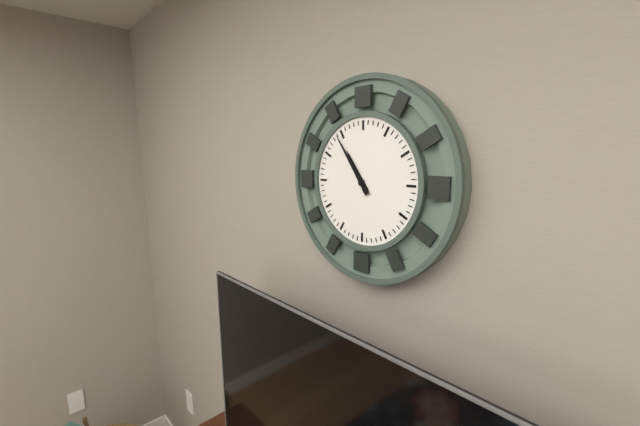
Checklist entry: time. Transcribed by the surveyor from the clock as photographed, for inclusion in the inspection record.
10:54
